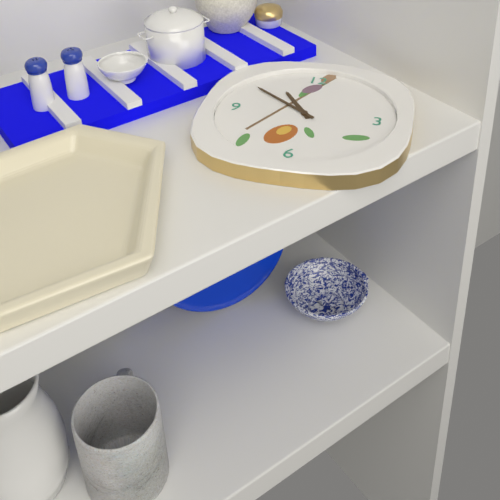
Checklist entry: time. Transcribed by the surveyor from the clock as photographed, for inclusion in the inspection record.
10:51
